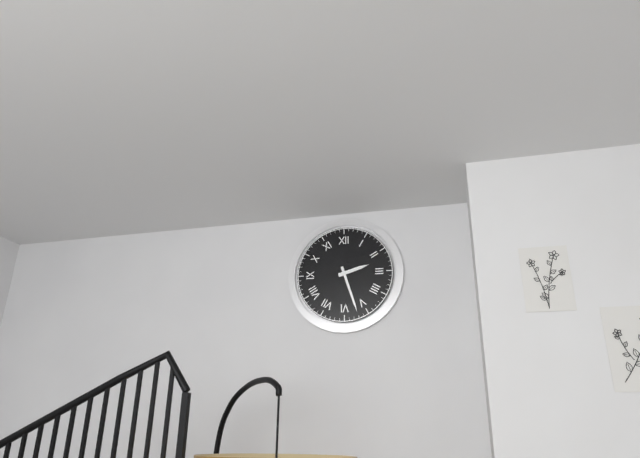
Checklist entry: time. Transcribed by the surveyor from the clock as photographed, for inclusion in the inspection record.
2:27
